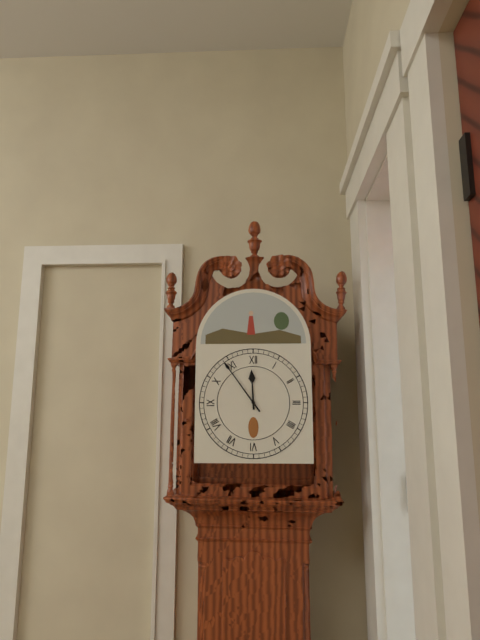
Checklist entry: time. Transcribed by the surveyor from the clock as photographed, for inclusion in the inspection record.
11:54
